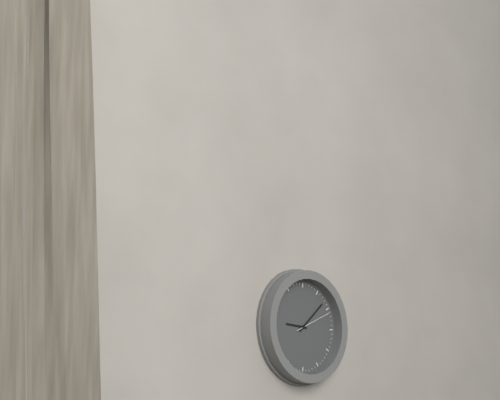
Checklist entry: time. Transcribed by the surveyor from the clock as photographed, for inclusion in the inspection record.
9:08
